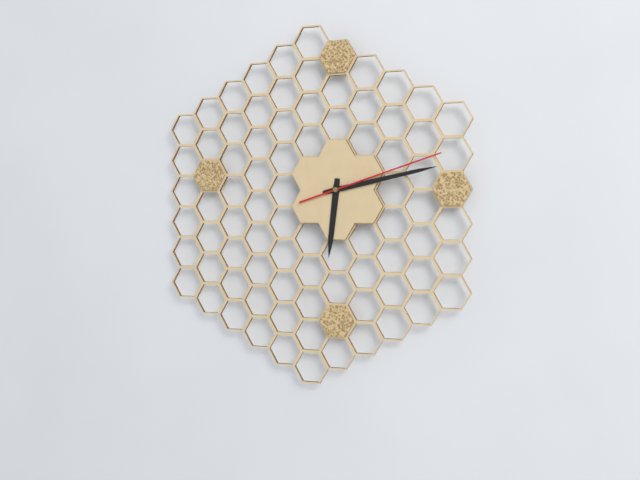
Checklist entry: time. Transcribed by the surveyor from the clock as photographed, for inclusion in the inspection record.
6:13:12
